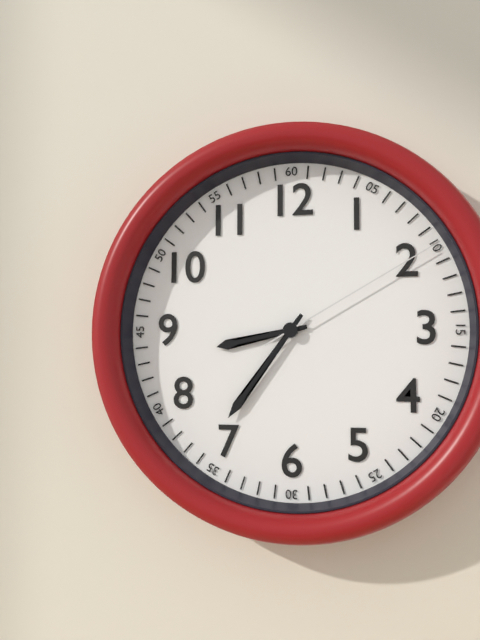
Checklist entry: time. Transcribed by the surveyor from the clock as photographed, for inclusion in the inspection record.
8:36:10
